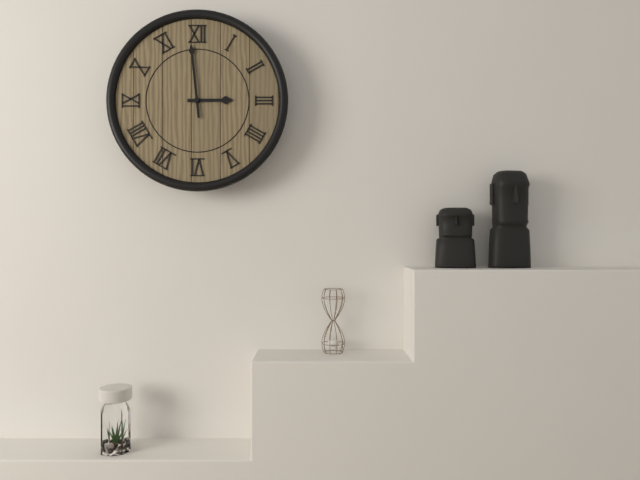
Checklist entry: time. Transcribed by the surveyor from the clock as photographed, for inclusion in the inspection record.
2:59
